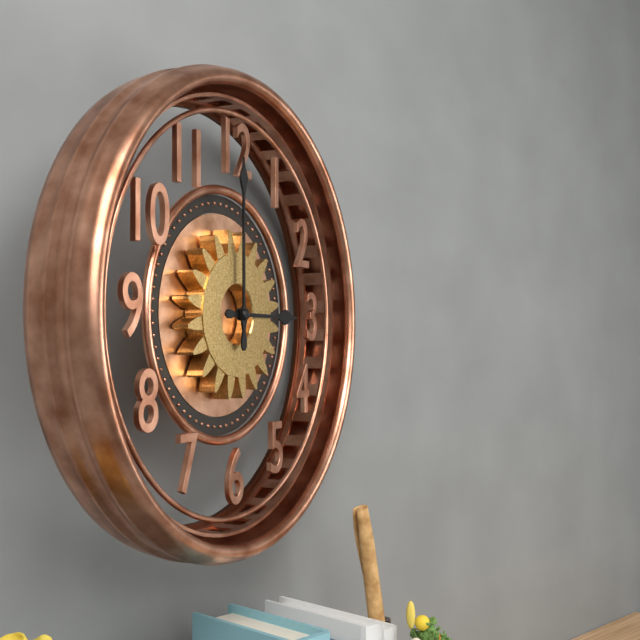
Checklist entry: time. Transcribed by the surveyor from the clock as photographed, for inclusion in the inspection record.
3:00
